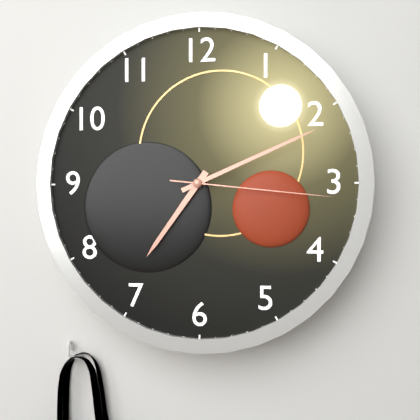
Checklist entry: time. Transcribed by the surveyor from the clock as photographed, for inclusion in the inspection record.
7:11:16
